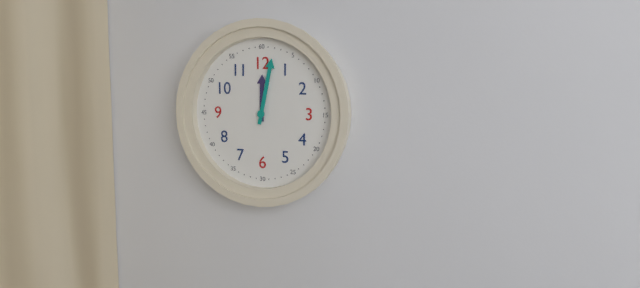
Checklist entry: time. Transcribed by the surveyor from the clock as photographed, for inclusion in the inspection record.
12:02
